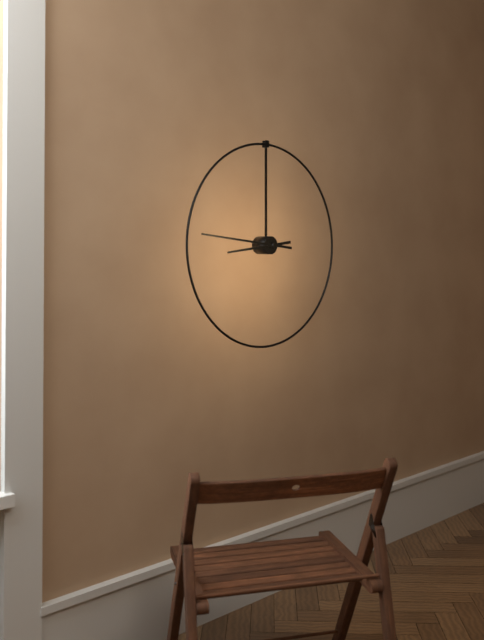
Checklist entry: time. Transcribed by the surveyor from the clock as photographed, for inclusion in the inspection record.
8:46
